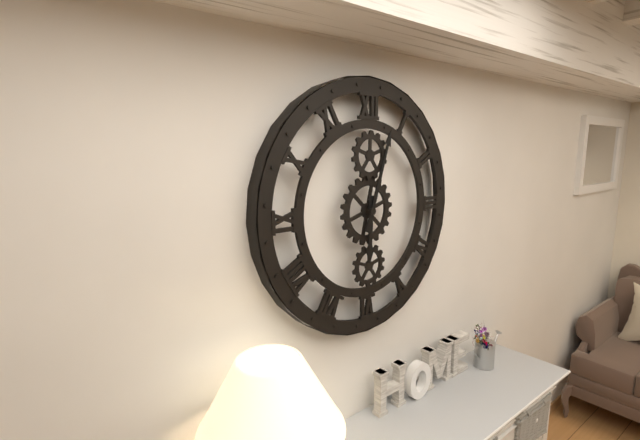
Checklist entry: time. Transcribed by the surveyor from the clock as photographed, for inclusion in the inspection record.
6:03
